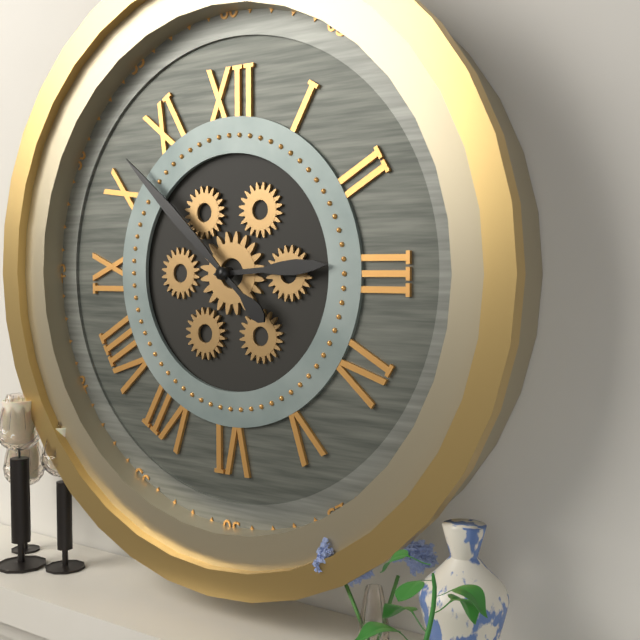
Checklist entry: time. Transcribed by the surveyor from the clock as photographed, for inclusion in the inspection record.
2:52
